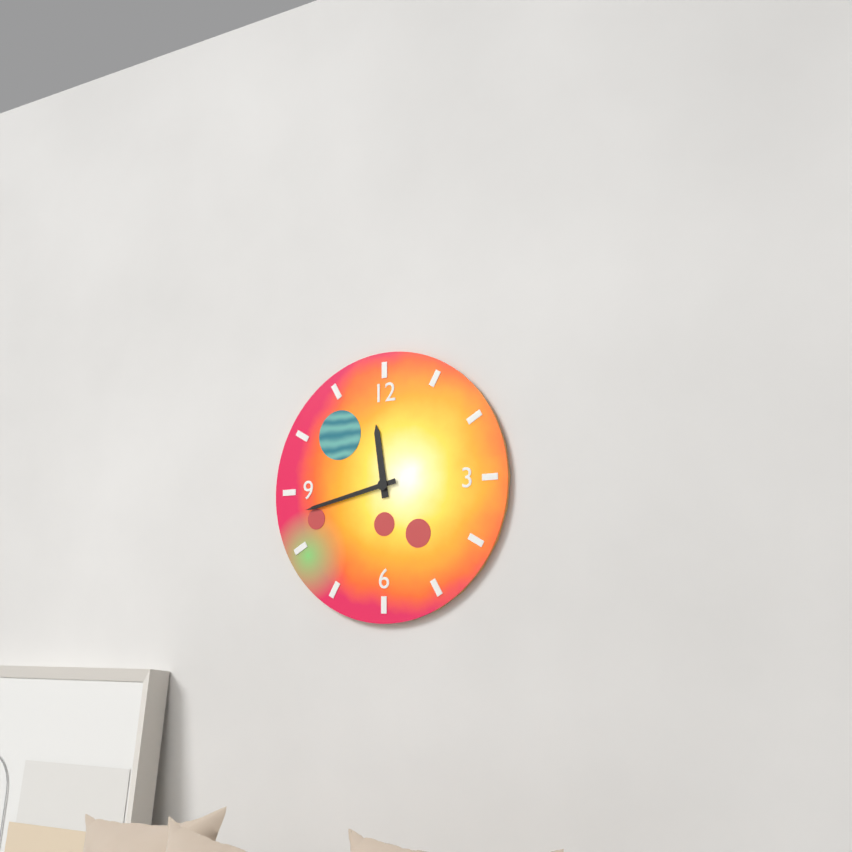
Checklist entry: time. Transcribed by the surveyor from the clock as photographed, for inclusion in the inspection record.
11:43
